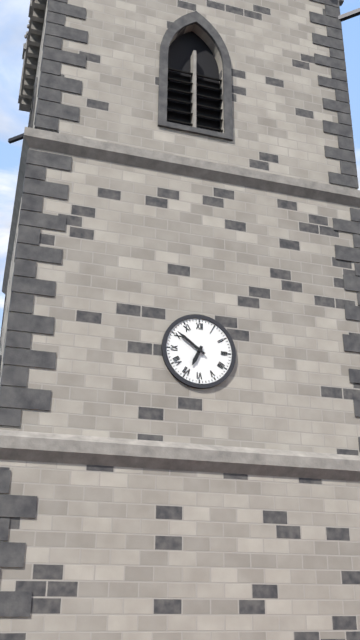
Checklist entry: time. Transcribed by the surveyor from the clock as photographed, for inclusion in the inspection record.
6:51
